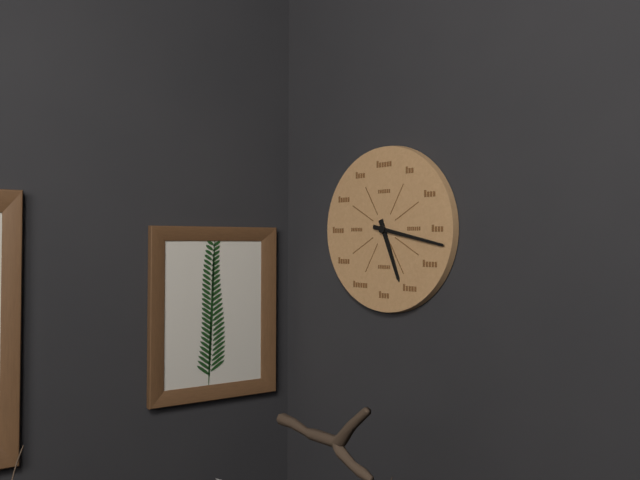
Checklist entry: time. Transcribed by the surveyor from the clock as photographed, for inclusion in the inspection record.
5:17
